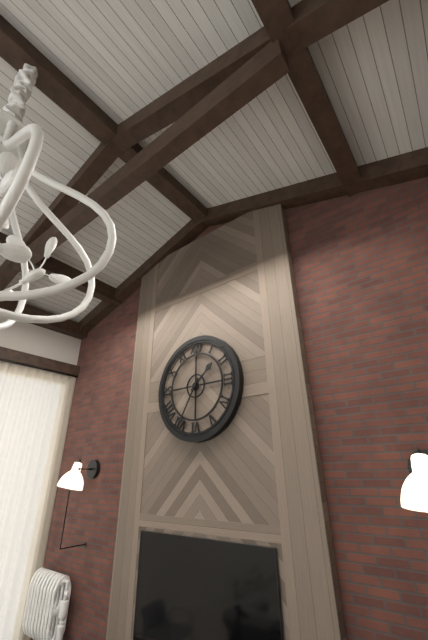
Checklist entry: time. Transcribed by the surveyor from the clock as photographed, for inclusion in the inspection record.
1:35
